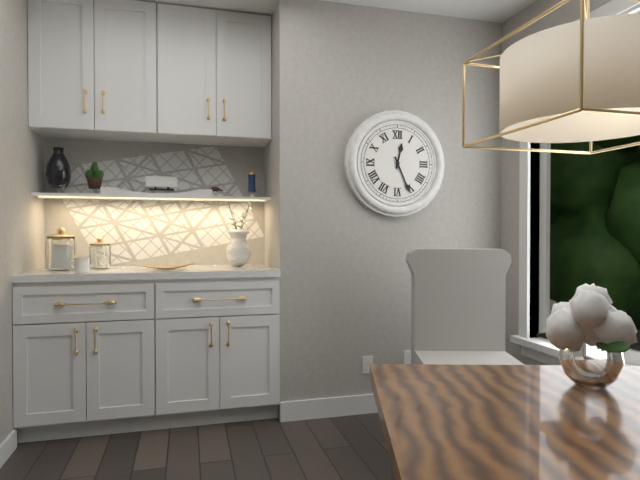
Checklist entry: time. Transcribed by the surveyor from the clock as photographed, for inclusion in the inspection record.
12:26
